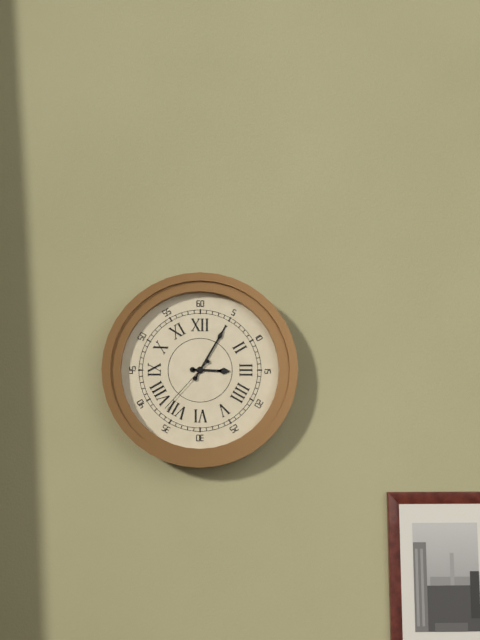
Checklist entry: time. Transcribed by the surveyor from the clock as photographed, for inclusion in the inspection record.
3:05:37
